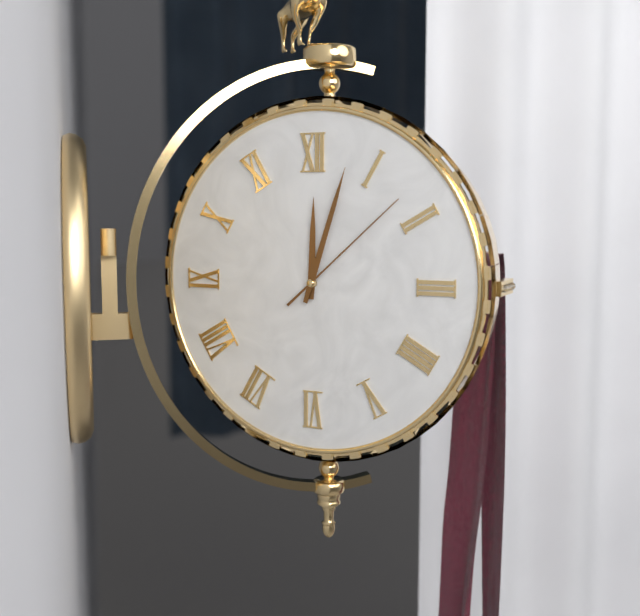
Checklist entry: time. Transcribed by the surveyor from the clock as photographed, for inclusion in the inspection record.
12:03:08
